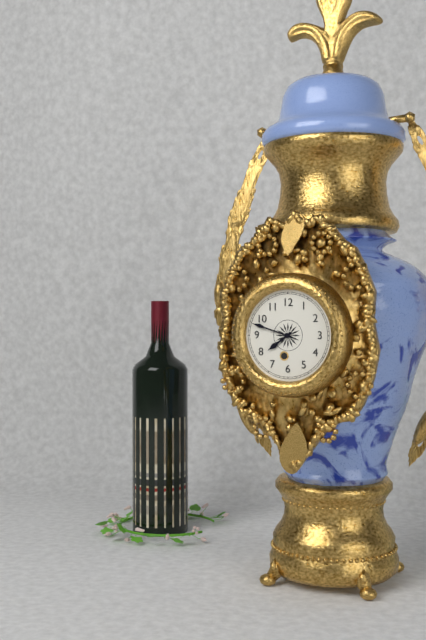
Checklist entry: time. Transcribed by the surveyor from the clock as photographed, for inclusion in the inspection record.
7:48
